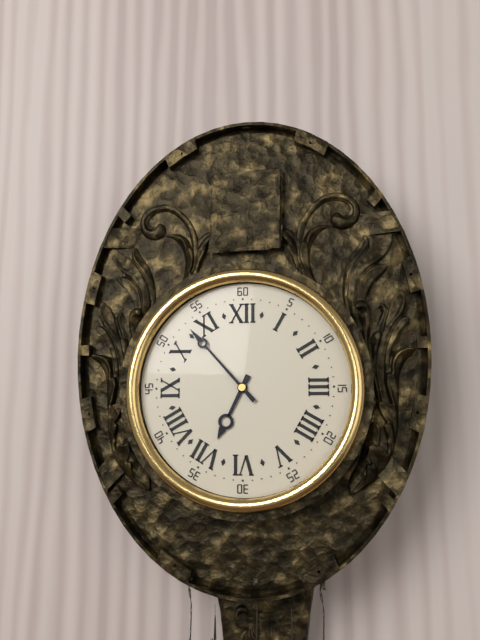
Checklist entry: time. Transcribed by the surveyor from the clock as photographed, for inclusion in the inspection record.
6:53
